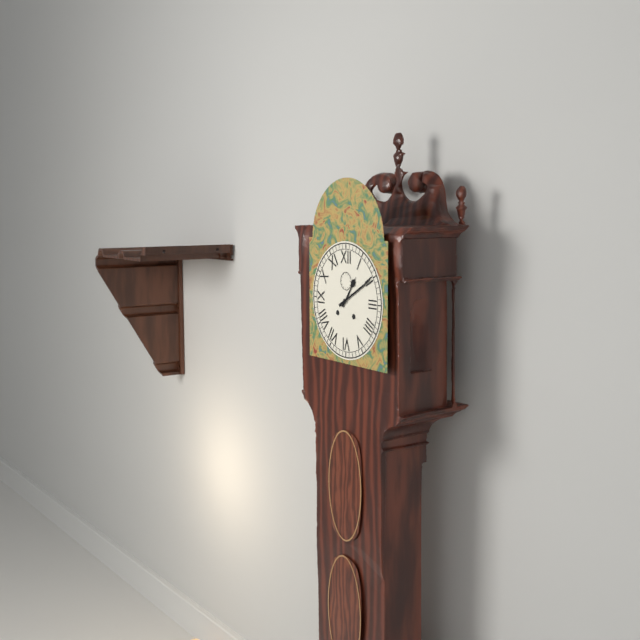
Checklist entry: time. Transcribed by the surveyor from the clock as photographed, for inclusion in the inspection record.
1:10
